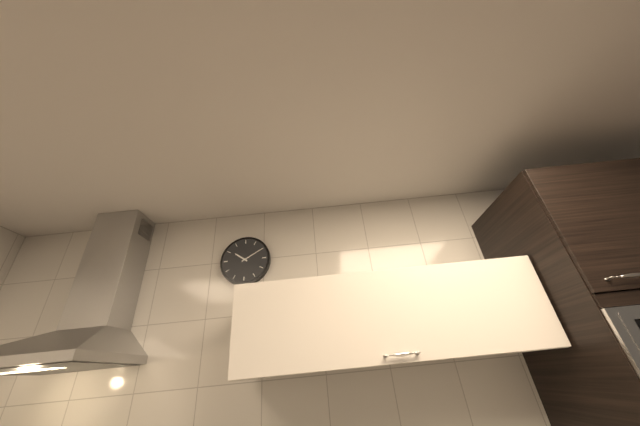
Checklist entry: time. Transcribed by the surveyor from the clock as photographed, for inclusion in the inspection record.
10:10
